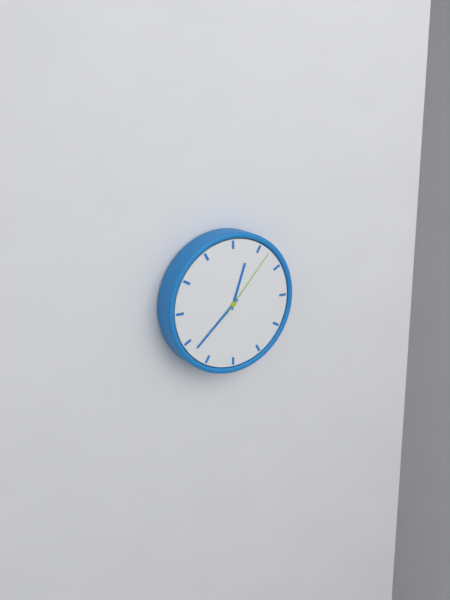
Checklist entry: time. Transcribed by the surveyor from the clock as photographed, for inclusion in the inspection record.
12:38:07
